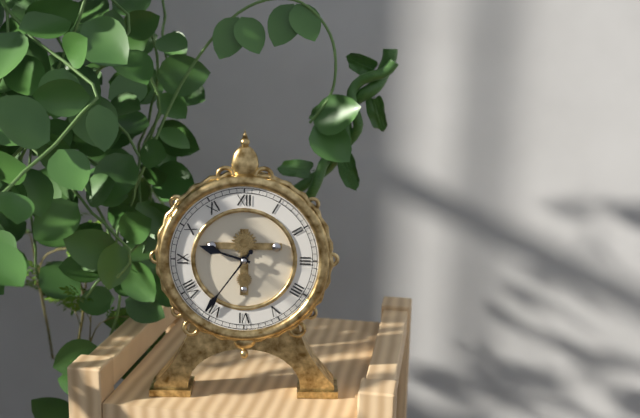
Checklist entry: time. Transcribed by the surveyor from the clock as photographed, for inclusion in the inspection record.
9:36
